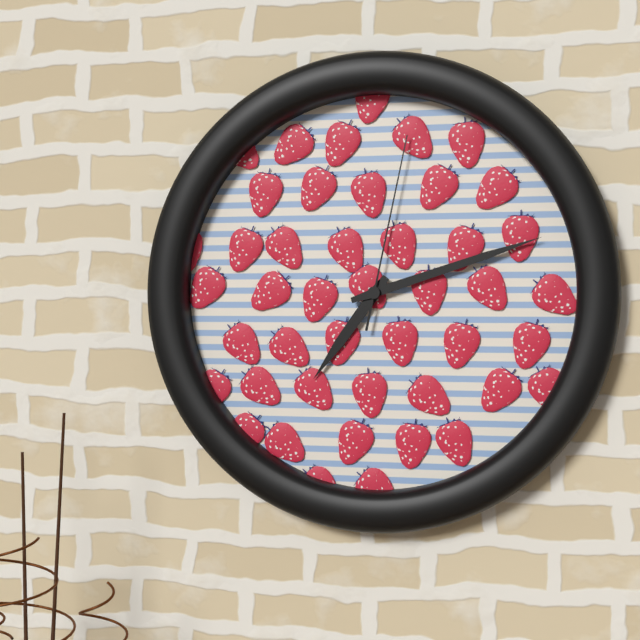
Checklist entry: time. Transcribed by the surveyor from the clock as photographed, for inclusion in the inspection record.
7:12:02
